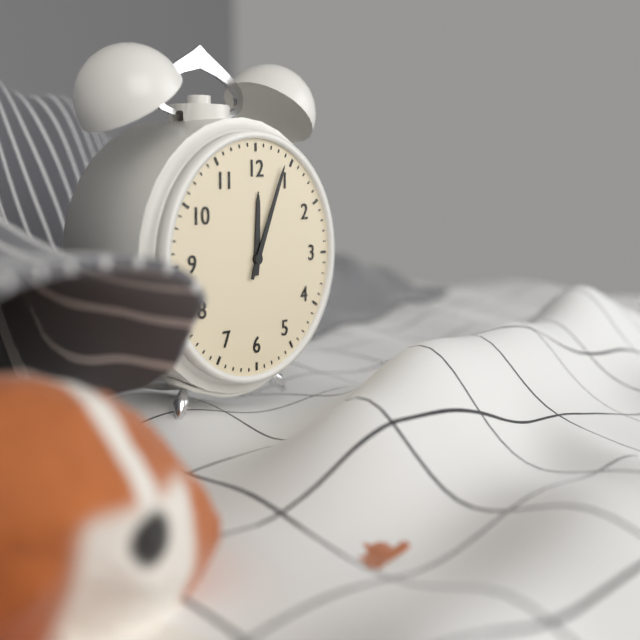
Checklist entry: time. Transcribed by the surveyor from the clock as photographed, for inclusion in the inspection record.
12:04
